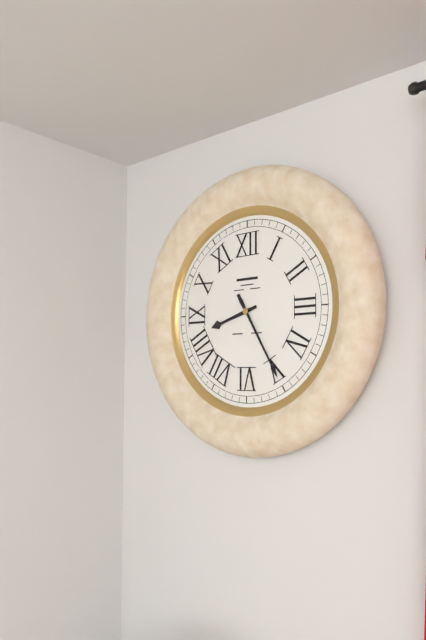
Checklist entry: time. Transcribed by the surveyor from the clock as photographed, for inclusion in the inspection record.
8:25
